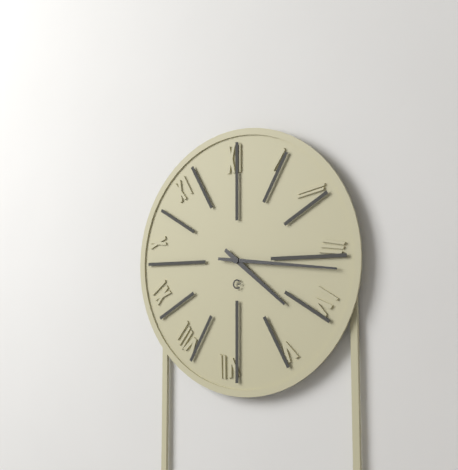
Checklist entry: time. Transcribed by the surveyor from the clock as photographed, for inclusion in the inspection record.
4:16
